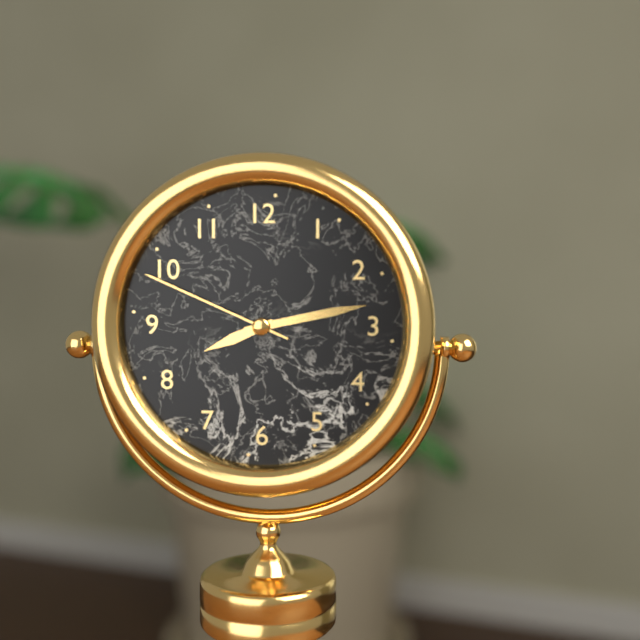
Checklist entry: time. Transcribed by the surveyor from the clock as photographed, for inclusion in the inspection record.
8:13:49
